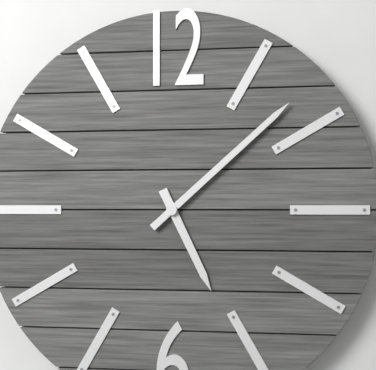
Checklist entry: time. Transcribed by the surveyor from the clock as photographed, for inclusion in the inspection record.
5:08
